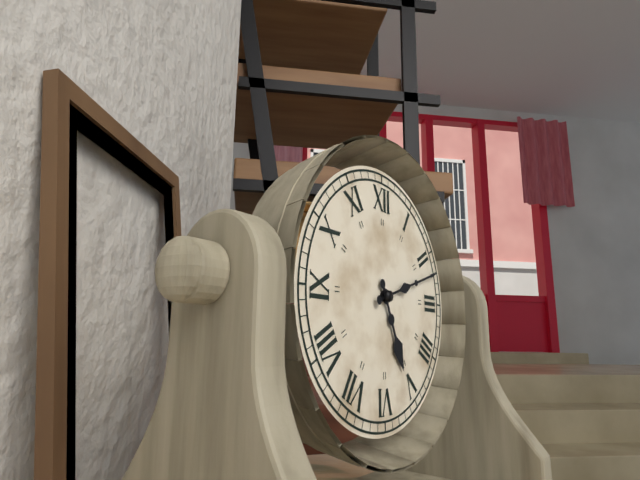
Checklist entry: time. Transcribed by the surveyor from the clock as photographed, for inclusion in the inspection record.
5:12
